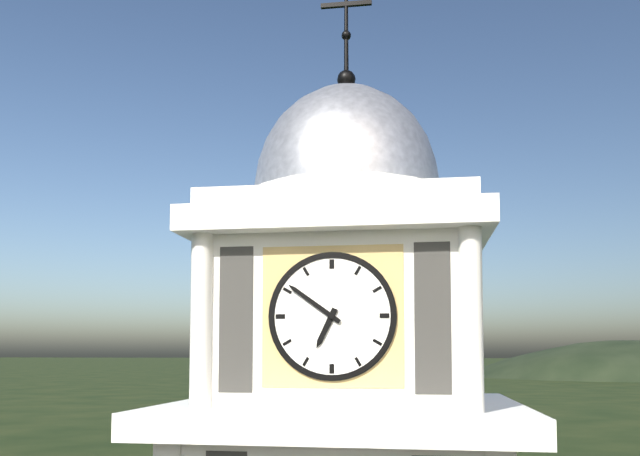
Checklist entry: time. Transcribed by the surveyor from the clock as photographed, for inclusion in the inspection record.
6:51
